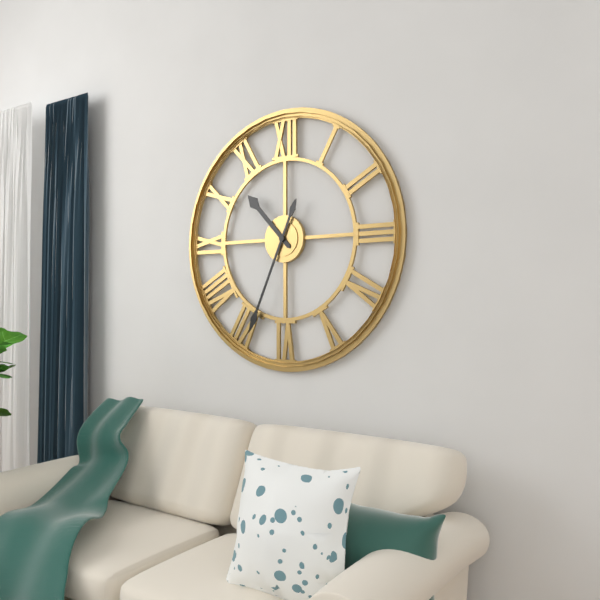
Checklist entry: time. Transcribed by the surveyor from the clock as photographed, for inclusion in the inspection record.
10:34
